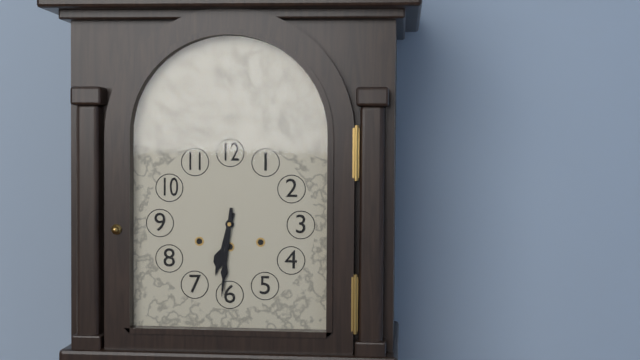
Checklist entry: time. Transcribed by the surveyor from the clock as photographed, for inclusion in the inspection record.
6:31
